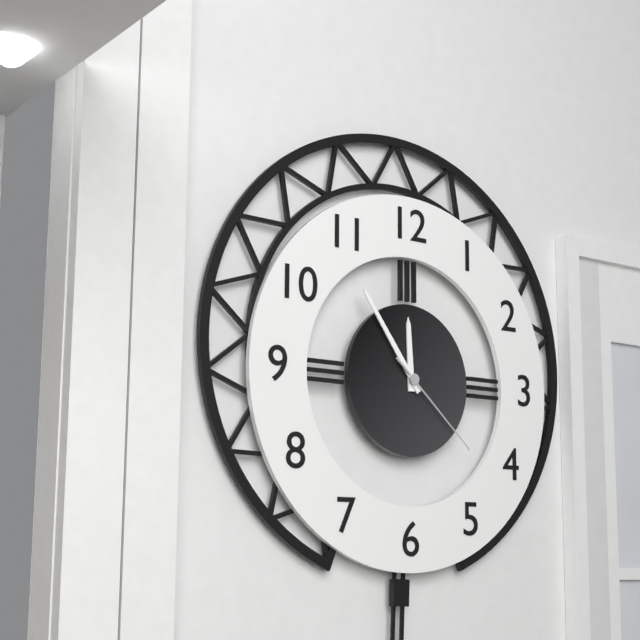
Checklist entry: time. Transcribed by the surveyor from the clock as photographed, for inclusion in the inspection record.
11:54:22
